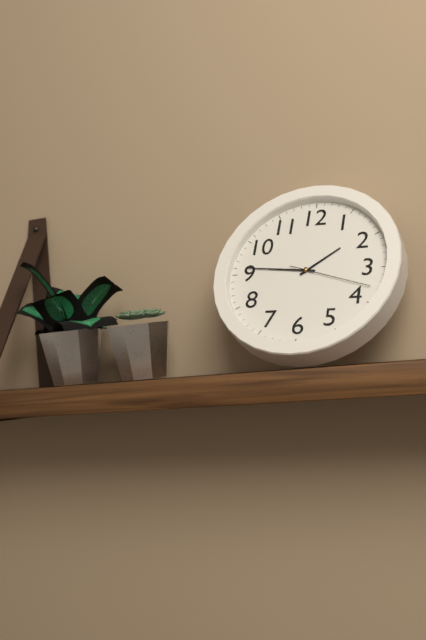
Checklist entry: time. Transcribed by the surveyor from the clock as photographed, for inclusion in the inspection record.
1:46:18
